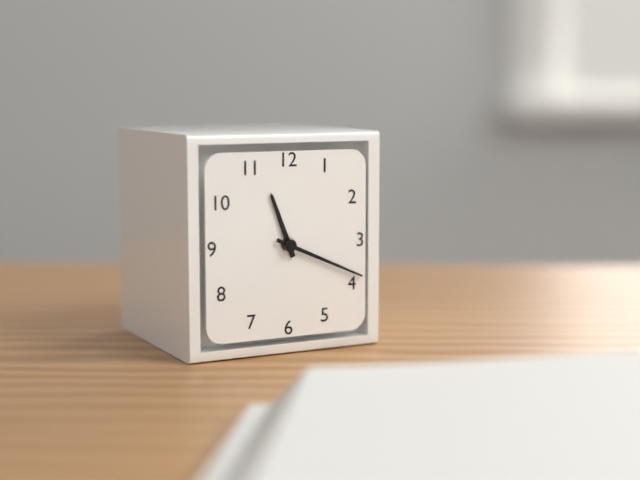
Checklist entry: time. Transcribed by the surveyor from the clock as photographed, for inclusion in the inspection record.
11:19
